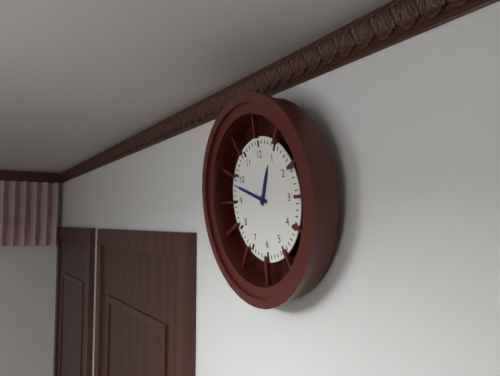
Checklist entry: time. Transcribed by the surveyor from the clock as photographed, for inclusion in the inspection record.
12:48
